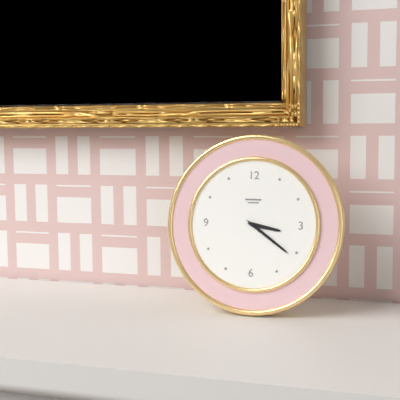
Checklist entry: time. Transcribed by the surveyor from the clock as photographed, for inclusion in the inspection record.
3:21
